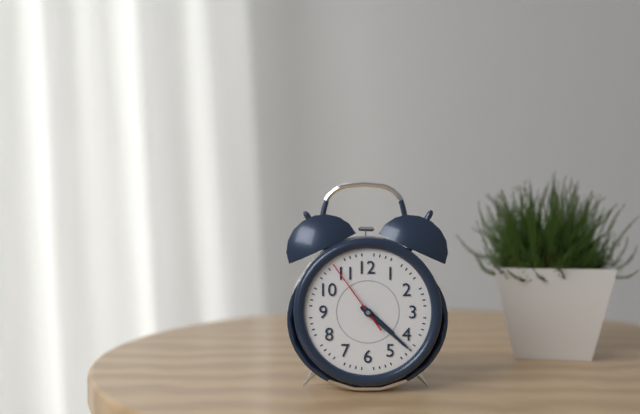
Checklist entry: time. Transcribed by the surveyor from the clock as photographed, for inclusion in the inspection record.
4:22:54
